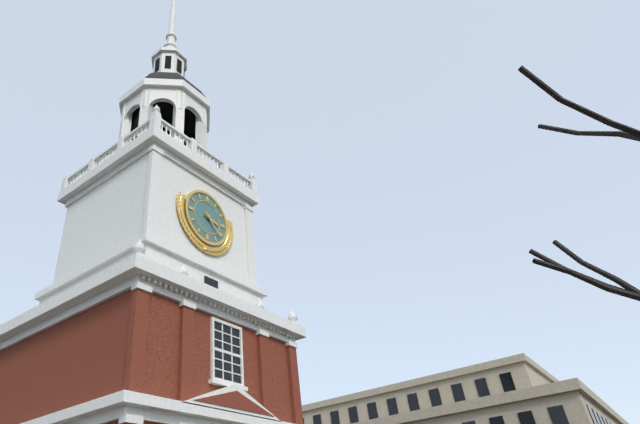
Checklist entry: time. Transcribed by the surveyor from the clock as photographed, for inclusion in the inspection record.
3:22
